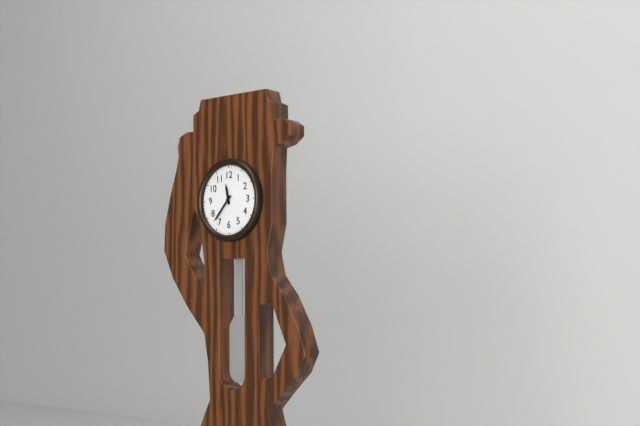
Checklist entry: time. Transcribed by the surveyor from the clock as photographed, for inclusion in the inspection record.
11:37
